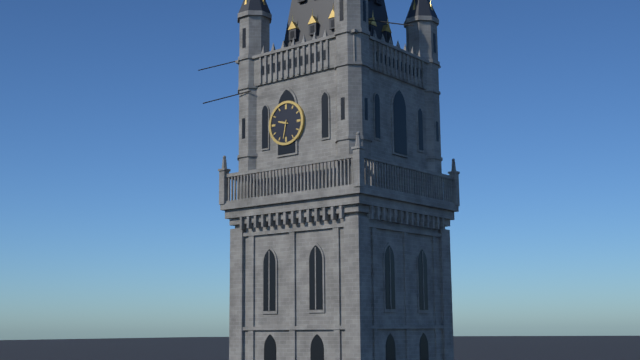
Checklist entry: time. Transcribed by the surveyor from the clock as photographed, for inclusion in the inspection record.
9:32
